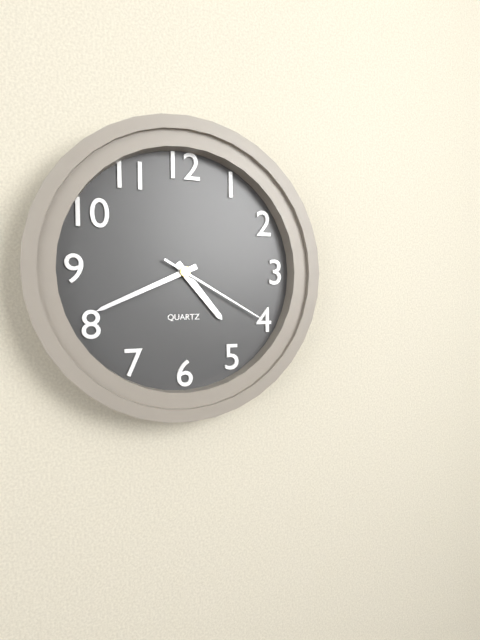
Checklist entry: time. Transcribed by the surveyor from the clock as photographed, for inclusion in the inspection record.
4:41:20
